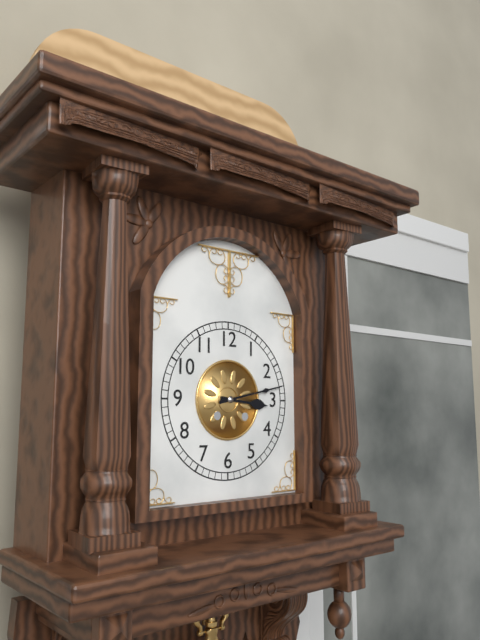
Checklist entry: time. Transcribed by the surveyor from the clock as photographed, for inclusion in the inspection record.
3:13
